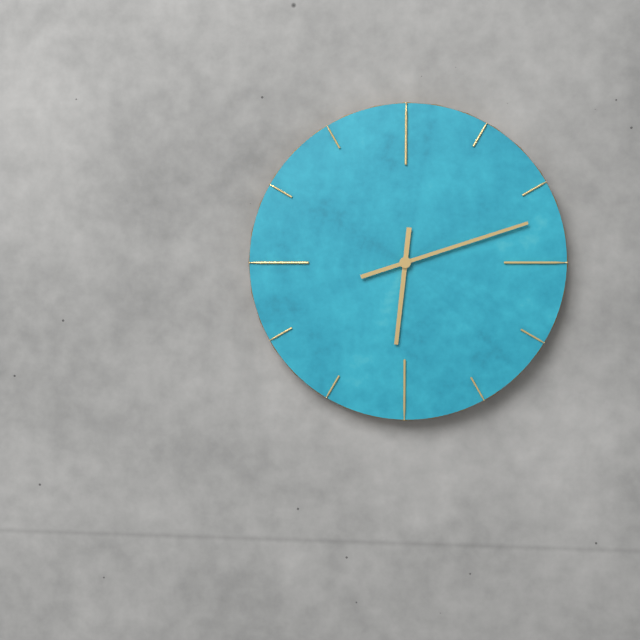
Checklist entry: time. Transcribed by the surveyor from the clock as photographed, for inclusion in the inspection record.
6:12
